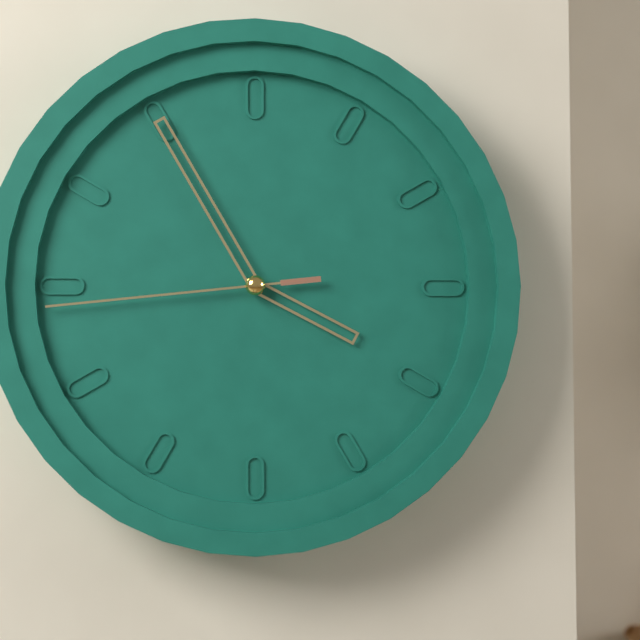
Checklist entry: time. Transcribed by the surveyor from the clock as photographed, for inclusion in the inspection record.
3:55:44
